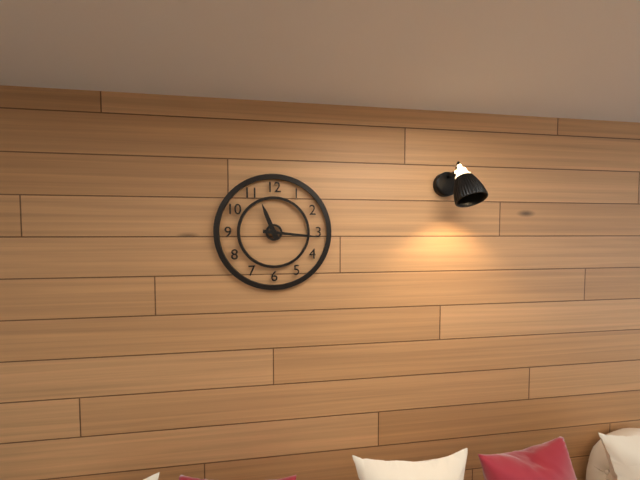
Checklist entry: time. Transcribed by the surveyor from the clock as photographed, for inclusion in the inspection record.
11:16
